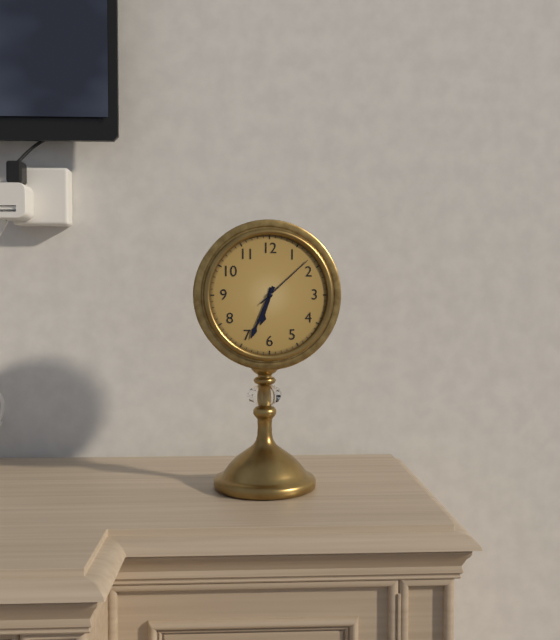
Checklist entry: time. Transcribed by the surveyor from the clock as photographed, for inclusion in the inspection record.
6:34:08
